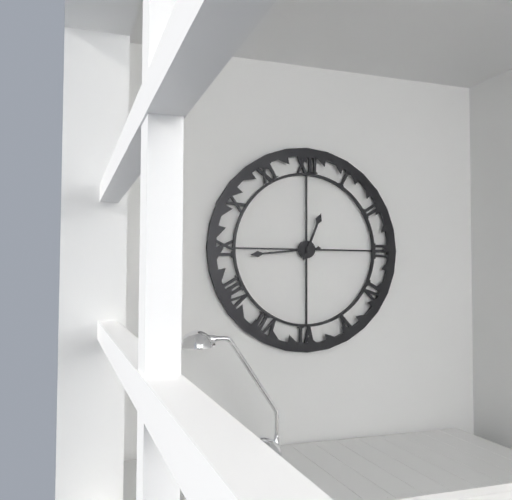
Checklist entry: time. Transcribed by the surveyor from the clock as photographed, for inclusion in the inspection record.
12:44
